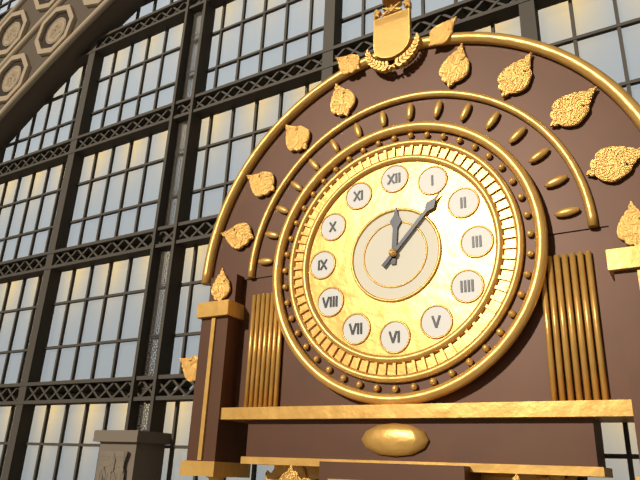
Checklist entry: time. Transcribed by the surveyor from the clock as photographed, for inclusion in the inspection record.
12:07
